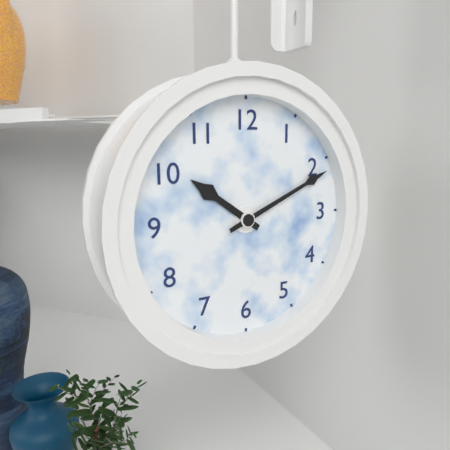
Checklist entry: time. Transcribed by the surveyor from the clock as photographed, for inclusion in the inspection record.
10:11
